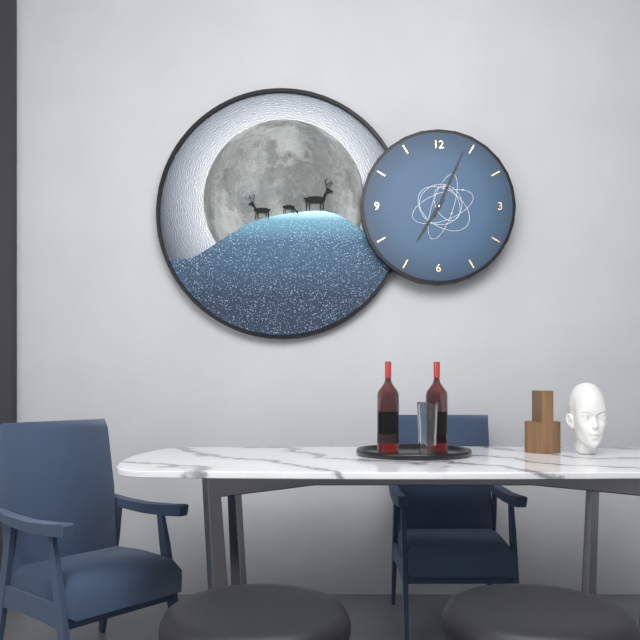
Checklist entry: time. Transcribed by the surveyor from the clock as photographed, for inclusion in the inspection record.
7:04
